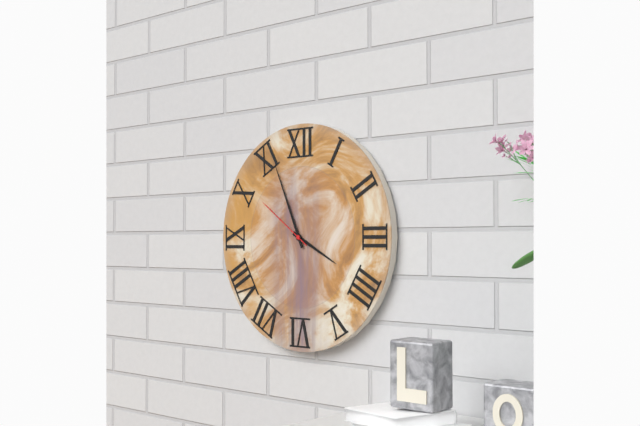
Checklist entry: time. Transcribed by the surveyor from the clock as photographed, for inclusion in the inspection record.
3:56:51
